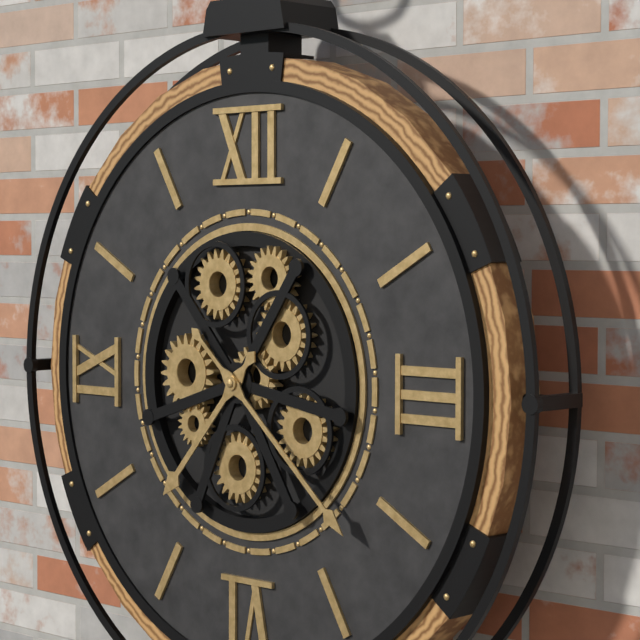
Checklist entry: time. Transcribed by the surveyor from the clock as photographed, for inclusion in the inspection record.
7:22
